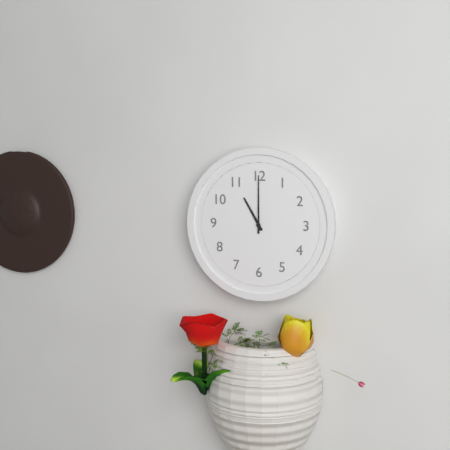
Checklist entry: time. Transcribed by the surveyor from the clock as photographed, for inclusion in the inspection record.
11:00
